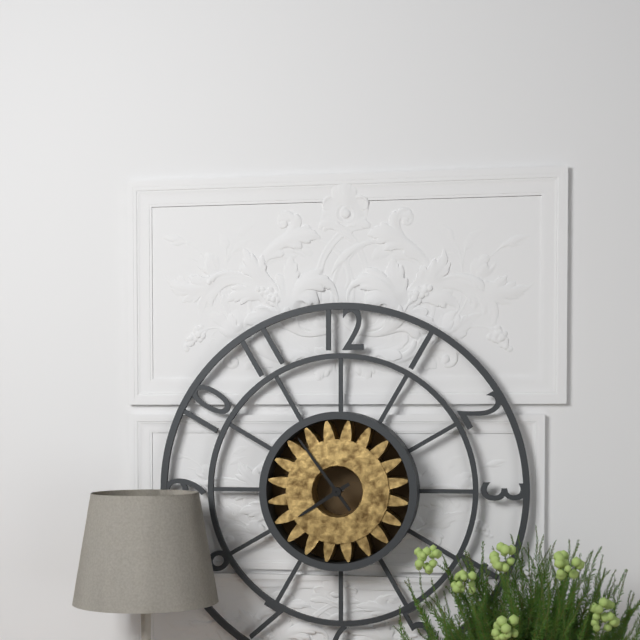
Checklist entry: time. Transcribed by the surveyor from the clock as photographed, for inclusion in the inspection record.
7:54
